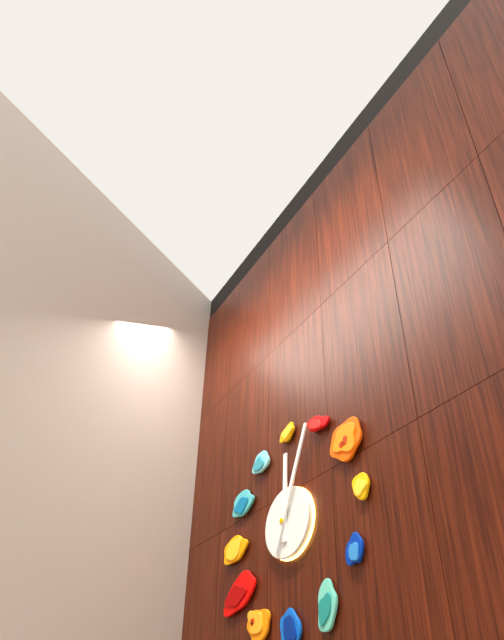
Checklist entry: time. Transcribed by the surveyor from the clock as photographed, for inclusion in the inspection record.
12:04
